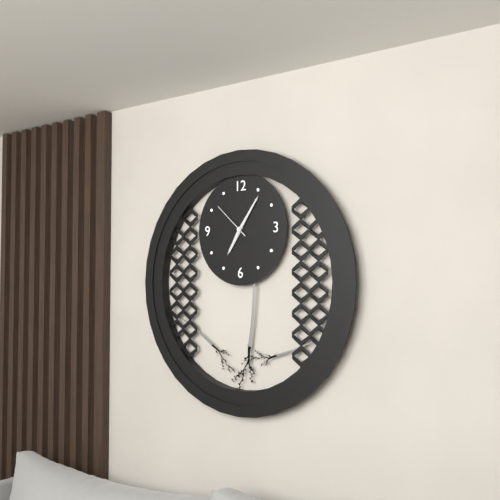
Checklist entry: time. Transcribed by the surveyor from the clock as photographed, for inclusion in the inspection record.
7:06
